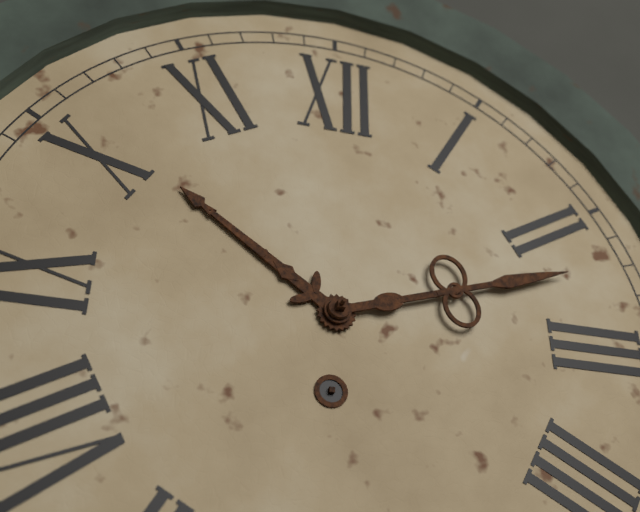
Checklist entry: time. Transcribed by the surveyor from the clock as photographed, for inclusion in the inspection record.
10:12
